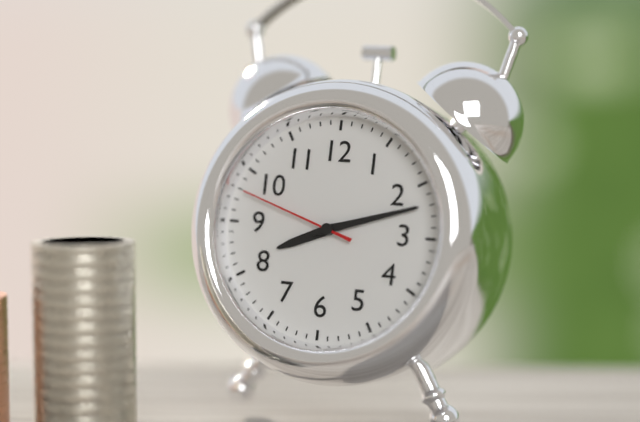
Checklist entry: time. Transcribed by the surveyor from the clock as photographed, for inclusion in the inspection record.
8:12:48
